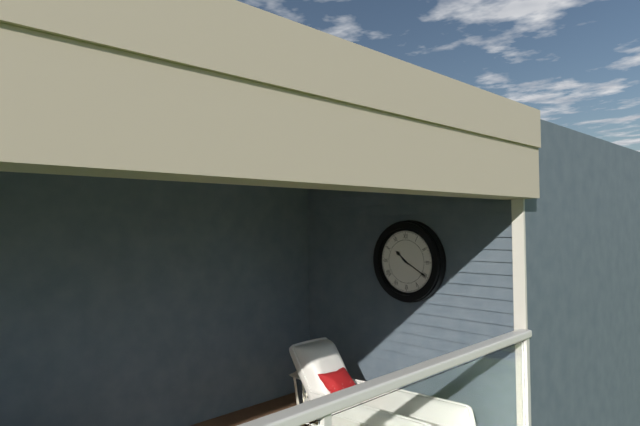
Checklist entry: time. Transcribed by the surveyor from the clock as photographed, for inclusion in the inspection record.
10:20
